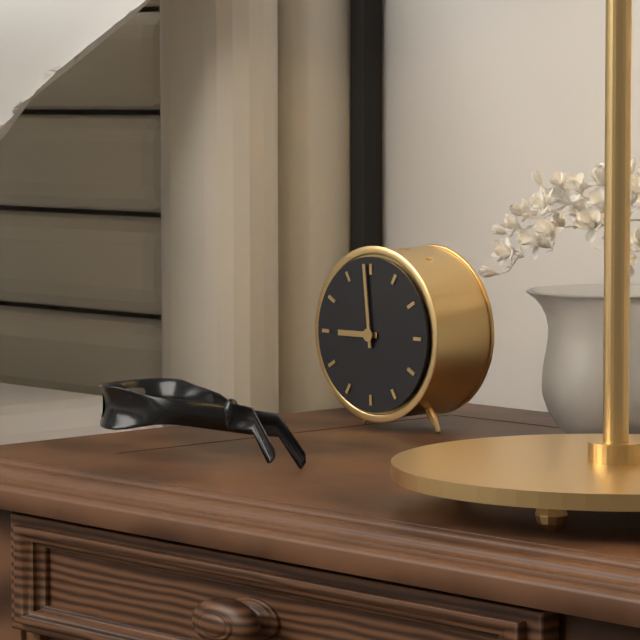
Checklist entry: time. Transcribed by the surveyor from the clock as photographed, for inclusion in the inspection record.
8:59
